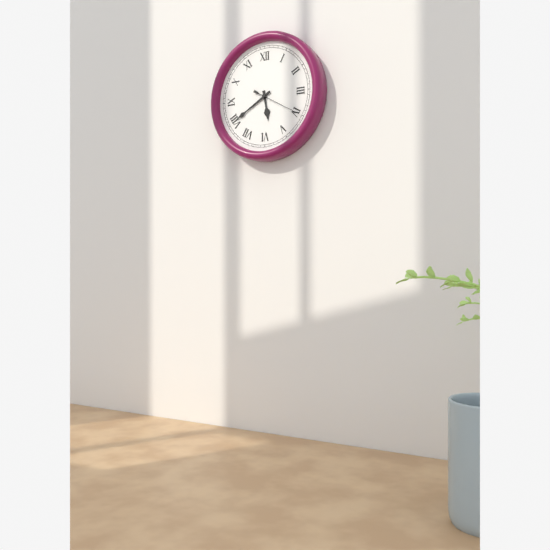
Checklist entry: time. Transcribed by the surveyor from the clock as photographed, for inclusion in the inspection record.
5:40
